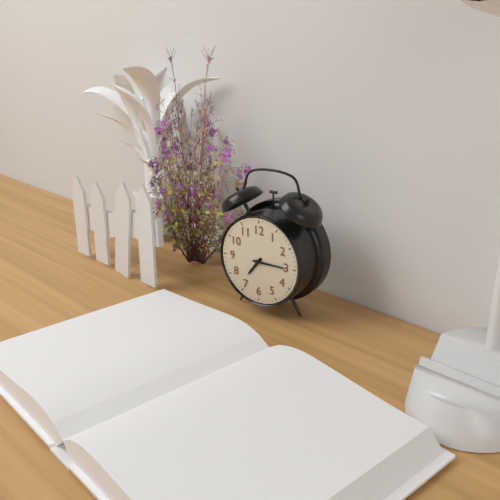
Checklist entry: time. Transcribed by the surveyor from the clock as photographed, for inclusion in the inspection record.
7:15
